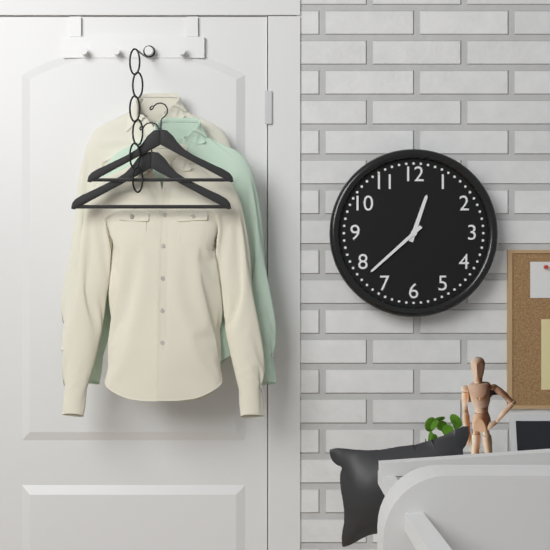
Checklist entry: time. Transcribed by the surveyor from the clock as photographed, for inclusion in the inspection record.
12:38
